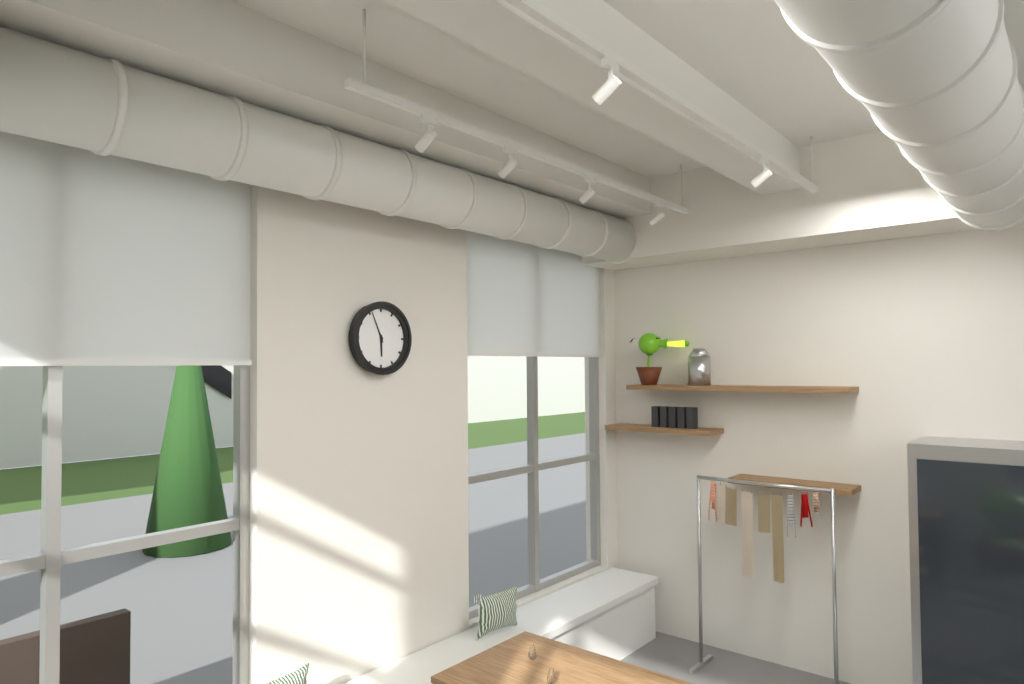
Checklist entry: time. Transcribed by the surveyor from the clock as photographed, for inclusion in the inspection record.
5:56
